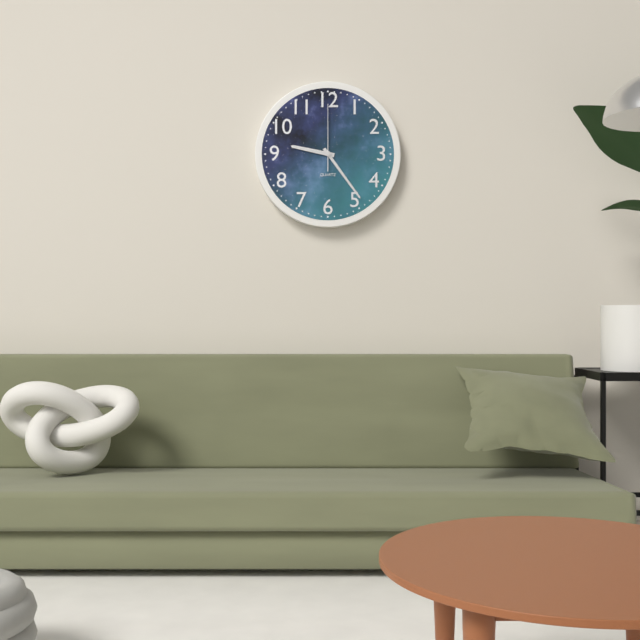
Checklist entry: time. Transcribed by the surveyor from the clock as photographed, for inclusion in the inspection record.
9:24:00
